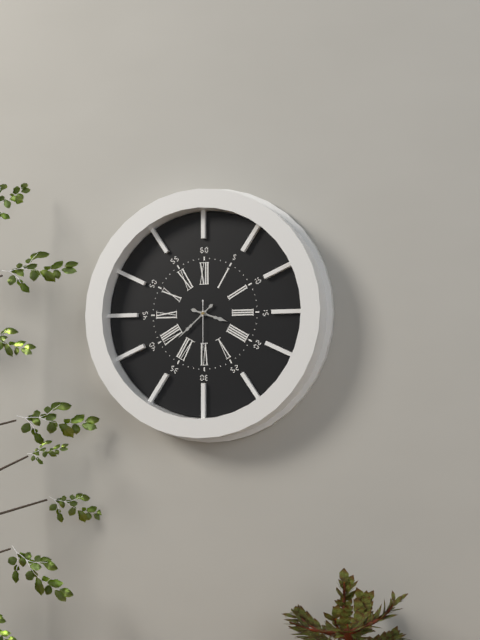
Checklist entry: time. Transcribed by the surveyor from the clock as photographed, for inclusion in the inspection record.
3:38
